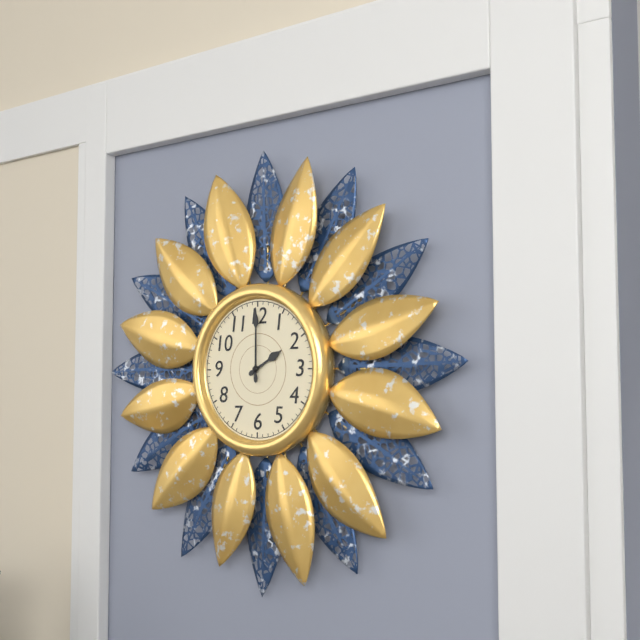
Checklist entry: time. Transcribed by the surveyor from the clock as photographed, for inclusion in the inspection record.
2:00
